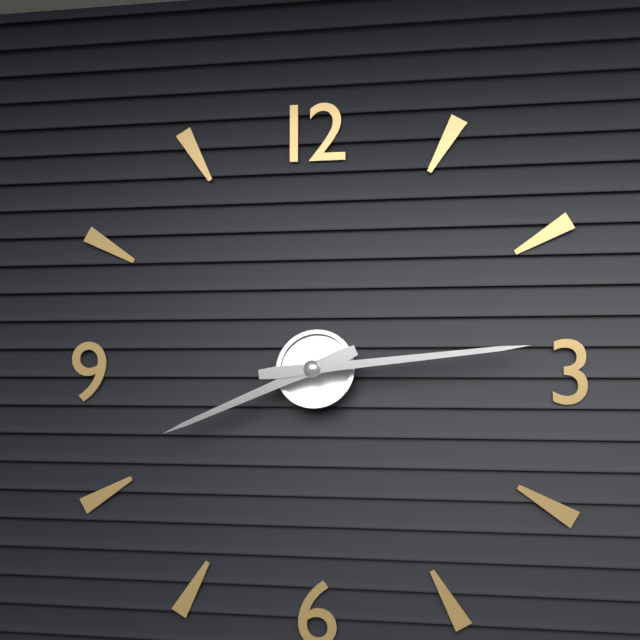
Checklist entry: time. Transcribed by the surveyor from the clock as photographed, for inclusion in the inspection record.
8:14
